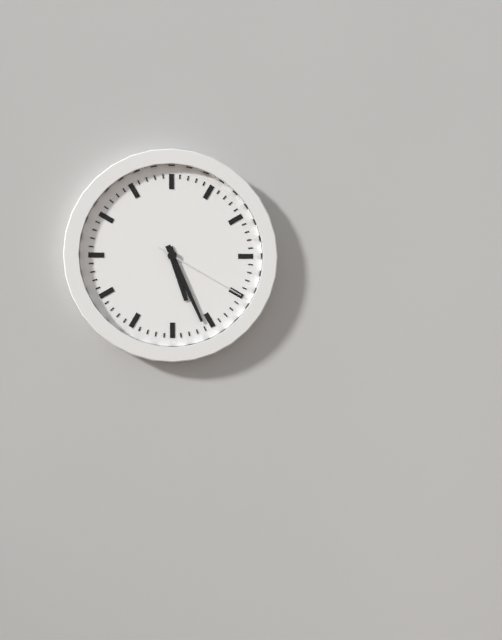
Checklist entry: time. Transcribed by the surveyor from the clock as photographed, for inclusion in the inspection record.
5:26:20
